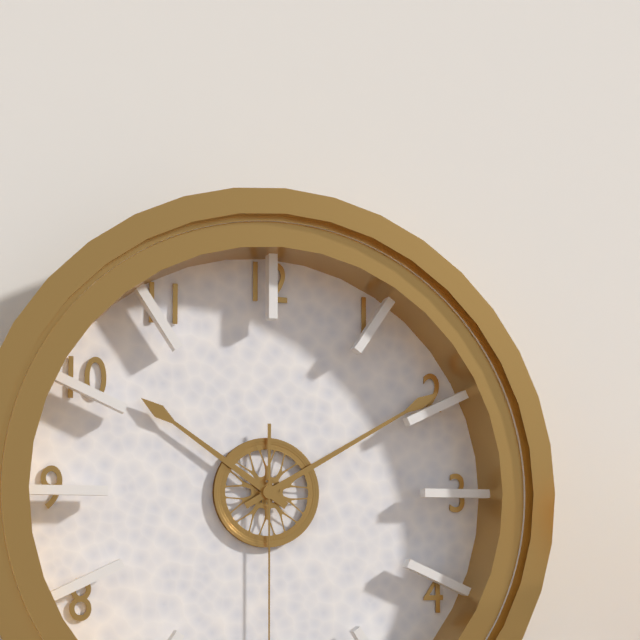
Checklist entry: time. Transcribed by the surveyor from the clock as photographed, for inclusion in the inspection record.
10:10
